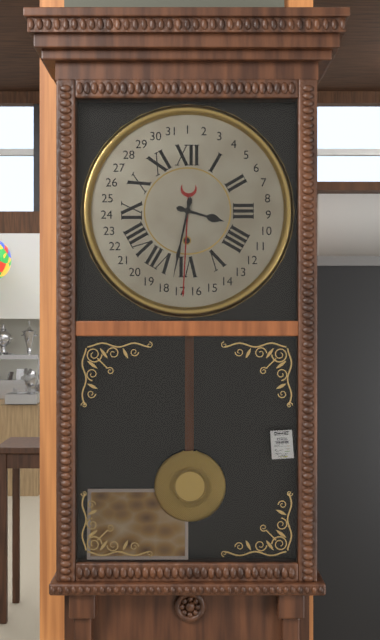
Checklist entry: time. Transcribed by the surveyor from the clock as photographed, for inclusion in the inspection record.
3:32
